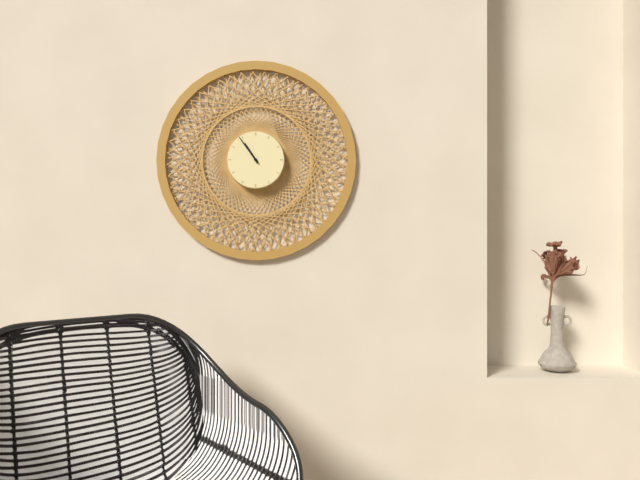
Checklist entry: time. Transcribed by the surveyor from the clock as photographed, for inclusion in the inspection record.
10:54
